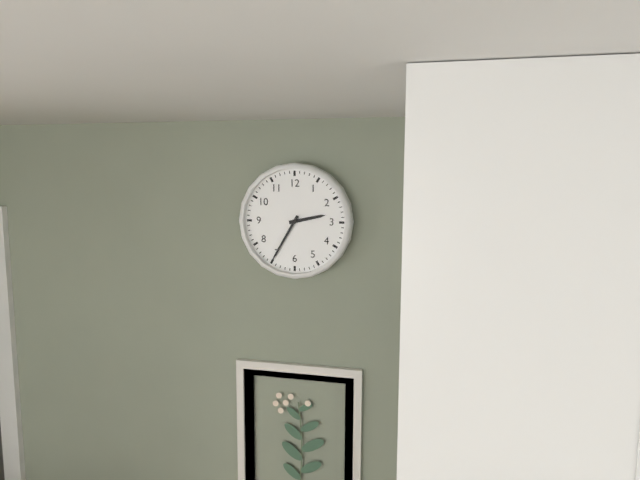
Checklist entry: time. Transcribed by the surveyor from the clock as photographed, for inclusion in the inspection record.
2:35
